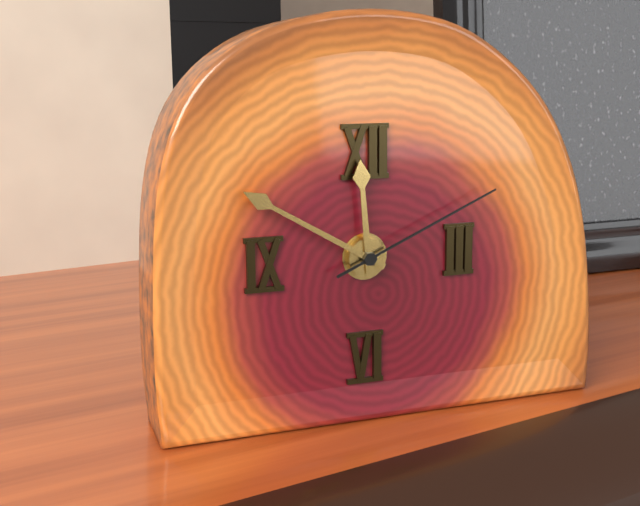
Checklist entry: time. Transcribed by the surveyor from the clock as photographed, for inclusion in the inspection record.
11:50:11
